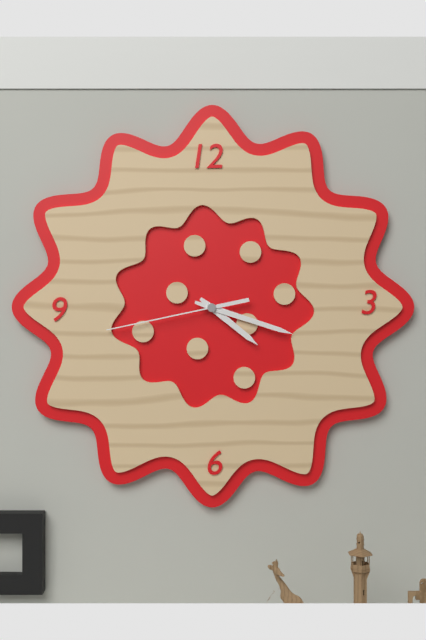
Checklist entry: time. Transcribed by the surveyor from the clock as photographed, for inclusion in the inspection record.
4:18:43
